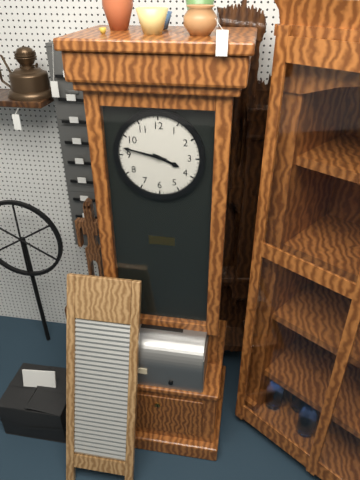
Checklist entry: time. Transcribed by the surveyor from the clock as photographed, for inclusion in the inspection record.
3:47
